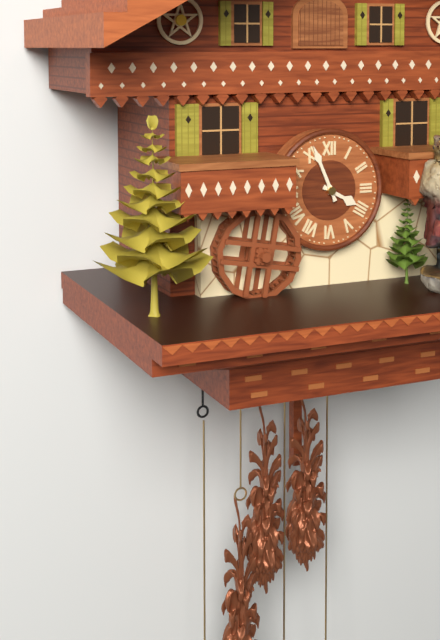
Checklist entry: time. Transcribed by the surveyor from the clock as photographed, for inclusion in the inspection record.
3:56
